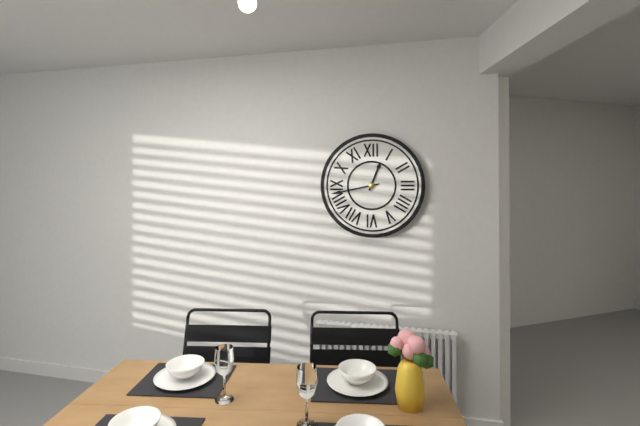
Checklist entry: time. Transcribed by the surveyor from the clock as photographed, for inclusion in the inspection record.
12:43
